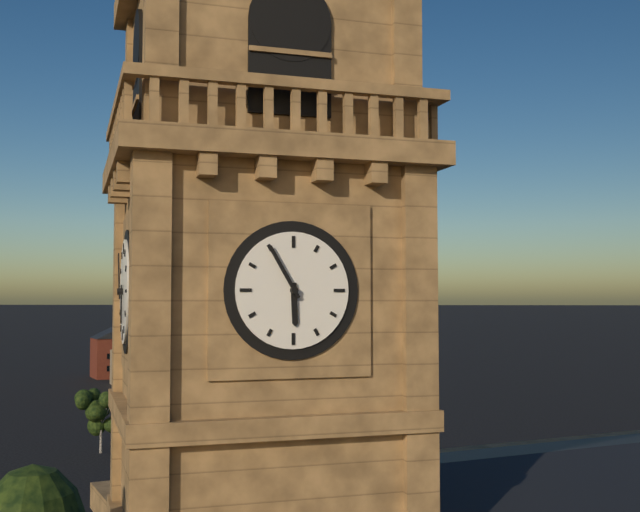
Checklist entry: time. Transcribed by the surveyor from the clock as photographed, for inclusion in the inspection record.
5:55
